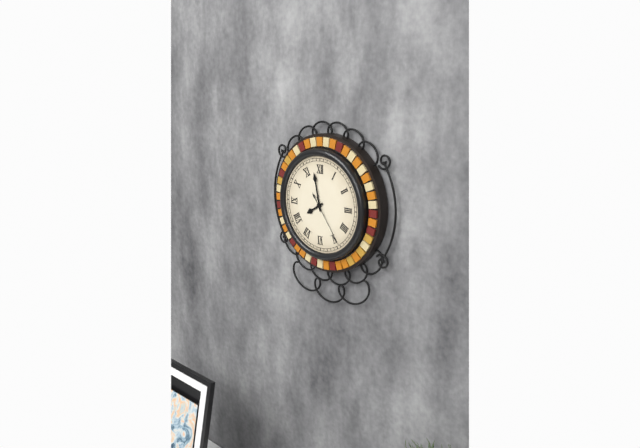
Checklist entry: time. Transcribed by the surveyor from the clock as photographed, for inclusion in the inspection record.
7:58:24
